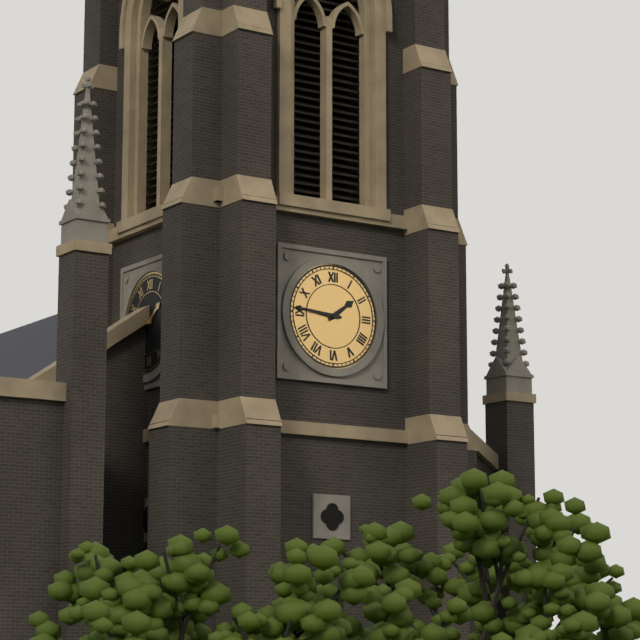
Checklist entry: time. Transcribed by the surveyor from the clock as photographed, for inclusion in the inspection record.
1:46
